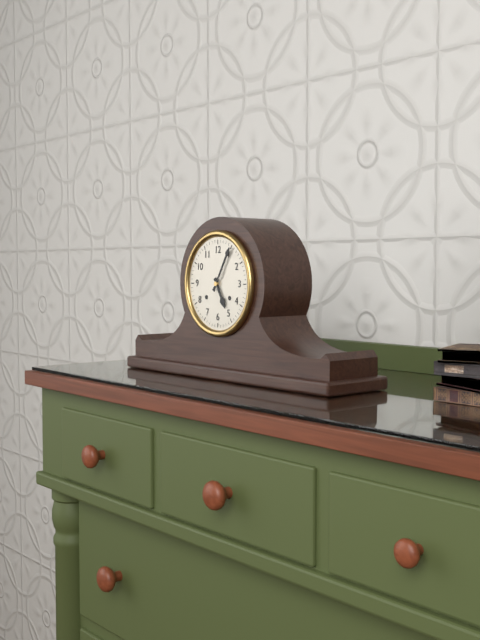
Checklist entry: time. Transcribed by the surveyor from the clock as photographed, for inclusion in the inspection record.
5:05
